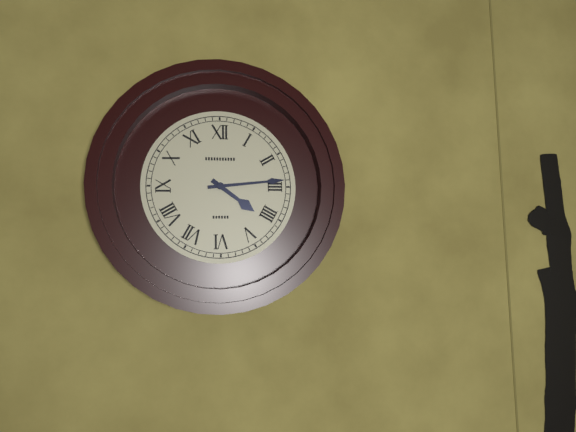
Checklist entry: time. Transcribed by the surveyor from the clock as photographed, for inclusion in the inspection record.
4:14
